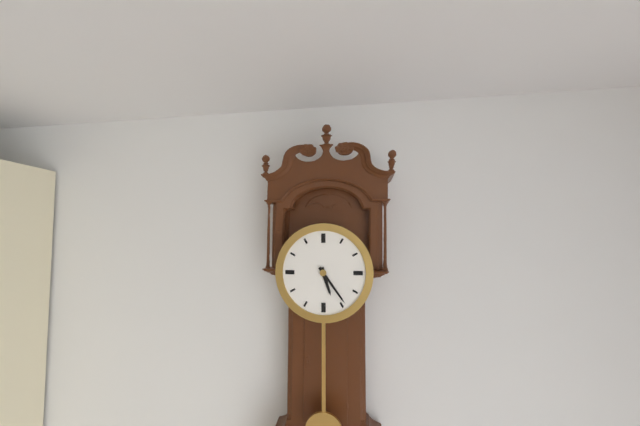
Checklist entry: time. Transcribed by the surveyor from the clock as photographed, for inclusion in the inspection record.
5:24
